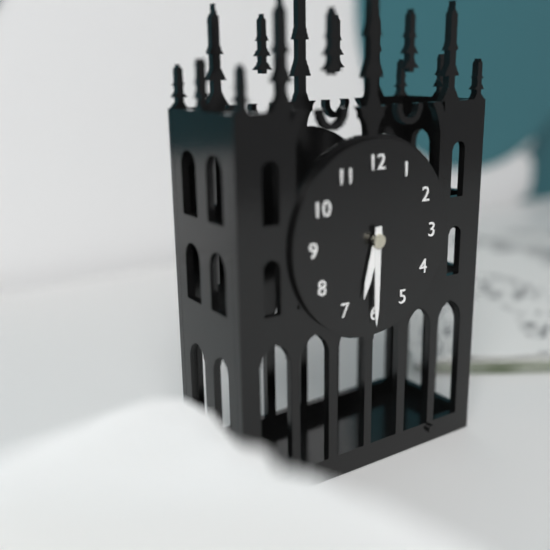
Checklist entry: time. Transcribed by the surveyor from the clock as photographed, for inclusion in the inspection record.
6:30
